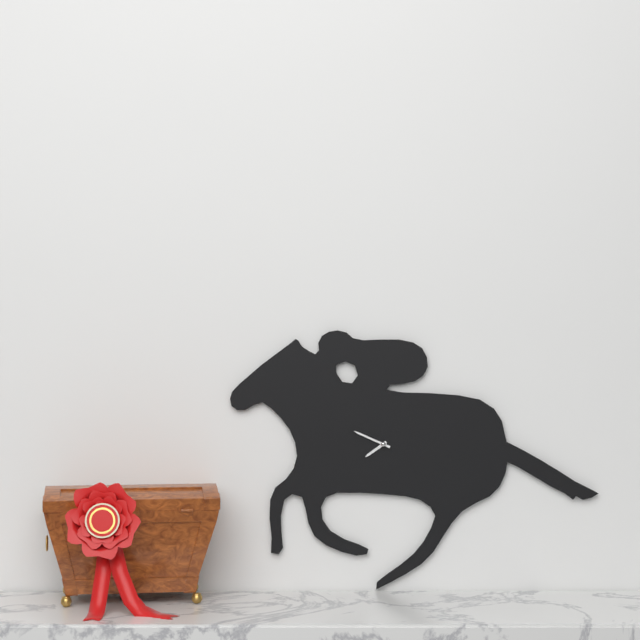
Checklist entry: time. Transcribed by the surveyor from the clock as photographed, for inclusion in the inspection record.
7:49
